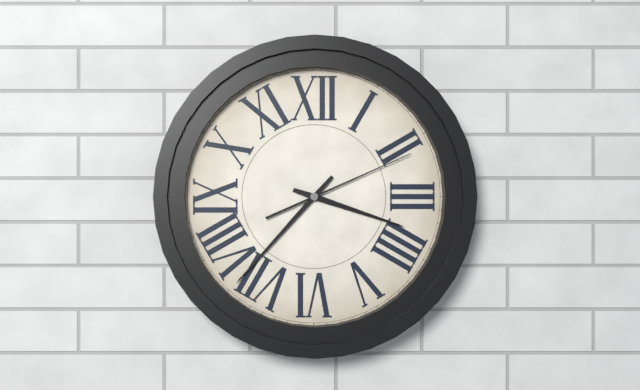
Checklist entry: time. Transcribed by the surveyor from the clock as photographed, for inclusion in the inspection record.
3:37:11
